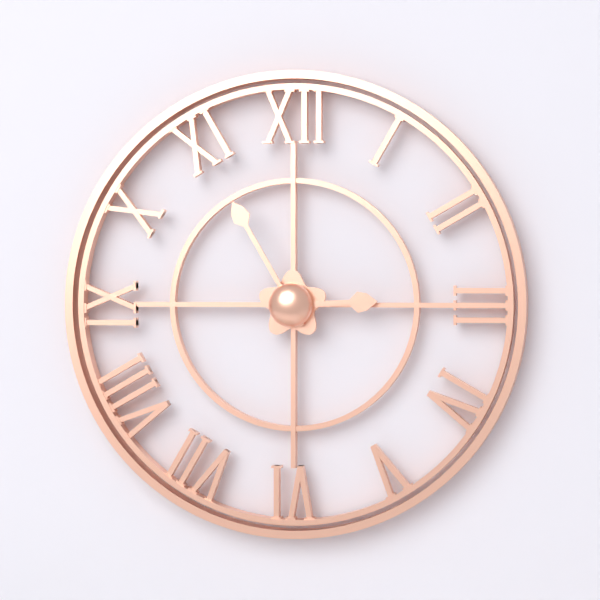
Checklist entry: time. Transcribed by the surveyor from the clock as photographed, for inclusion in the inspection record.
2:55
